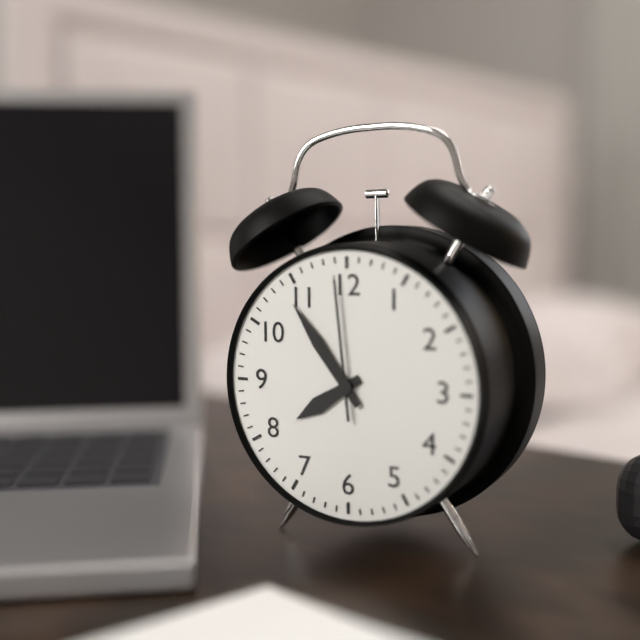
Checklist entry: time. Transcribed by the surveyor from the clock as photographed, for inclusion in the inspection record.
7:54:59
